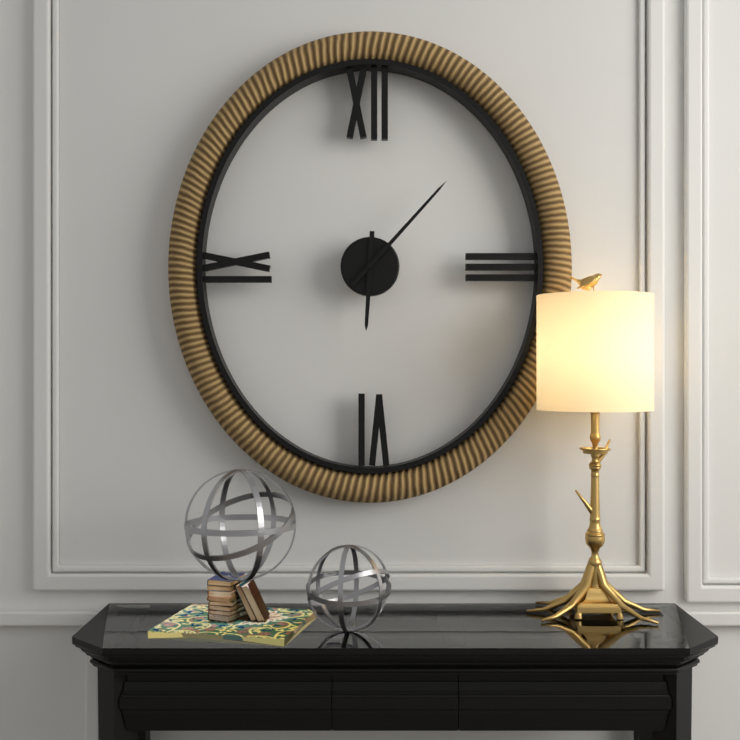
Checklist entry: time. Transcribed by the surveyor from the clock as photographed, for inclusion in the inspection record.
6:07
